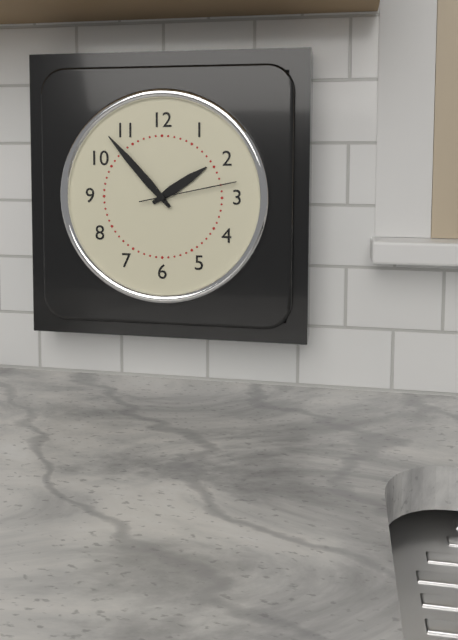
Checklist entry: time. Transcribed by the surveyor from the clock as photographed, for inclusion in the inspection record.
1:53:13
